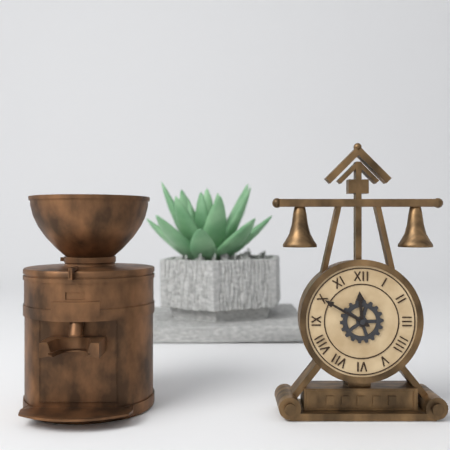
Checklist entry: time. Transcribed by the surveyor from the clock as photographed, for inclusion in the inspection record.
11:50
